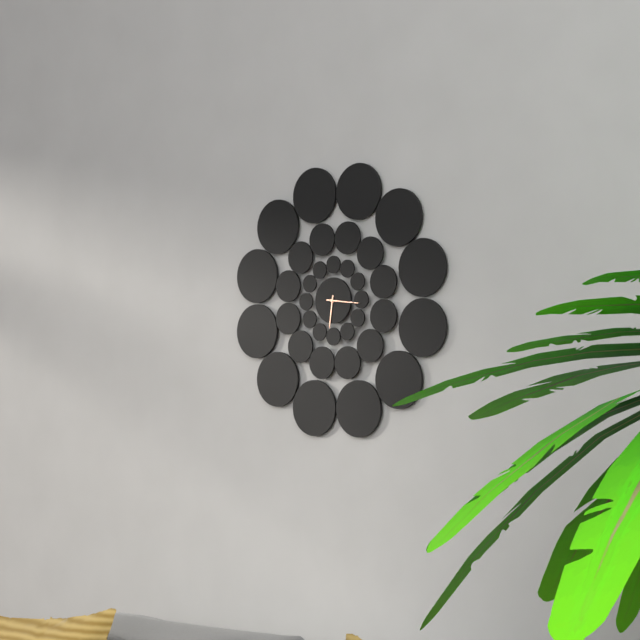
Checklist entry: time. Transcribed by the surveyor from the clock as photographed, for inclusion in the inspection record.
6:16
